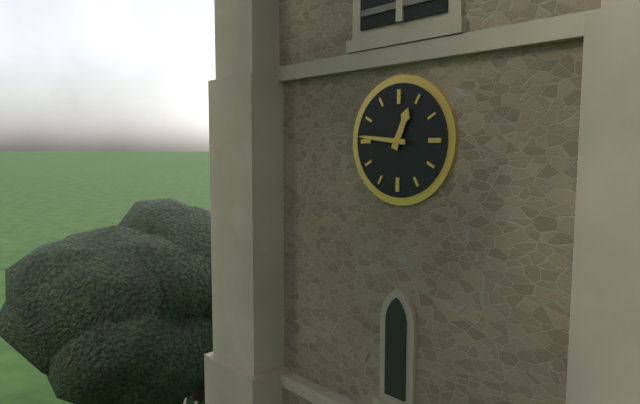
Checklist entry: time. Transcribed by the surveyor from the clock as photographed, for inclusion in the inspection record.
12:46
